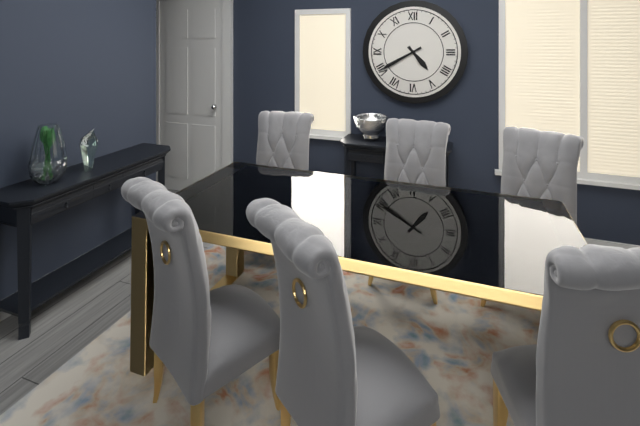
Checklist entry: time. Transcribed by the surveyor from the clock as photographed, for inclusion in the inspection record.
4:40
